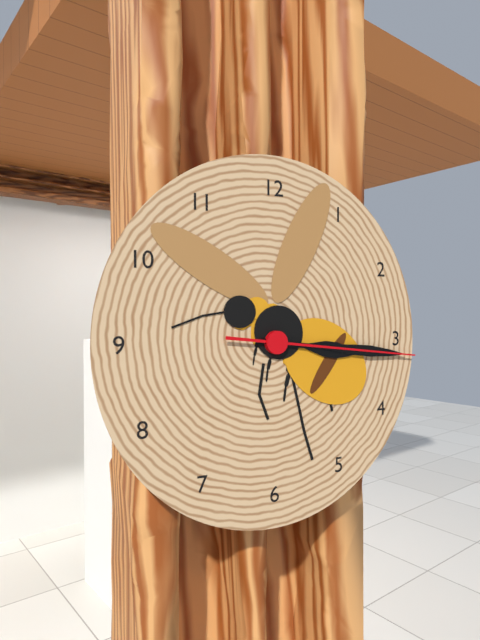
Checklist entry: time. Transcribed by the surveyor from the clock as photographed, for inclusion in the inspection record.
3:16:16
